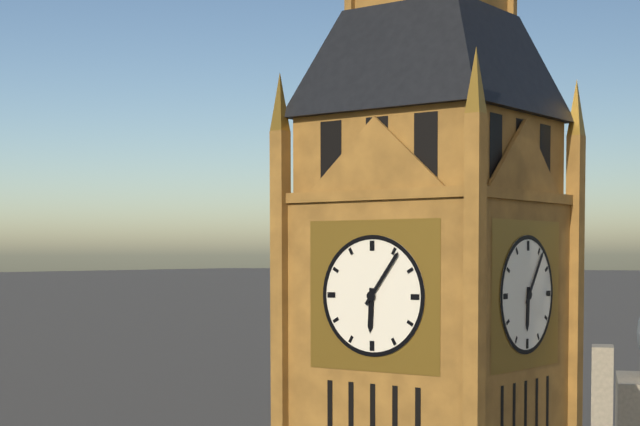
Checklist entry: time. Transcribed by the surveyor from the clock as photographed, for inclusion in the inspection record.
6:06
